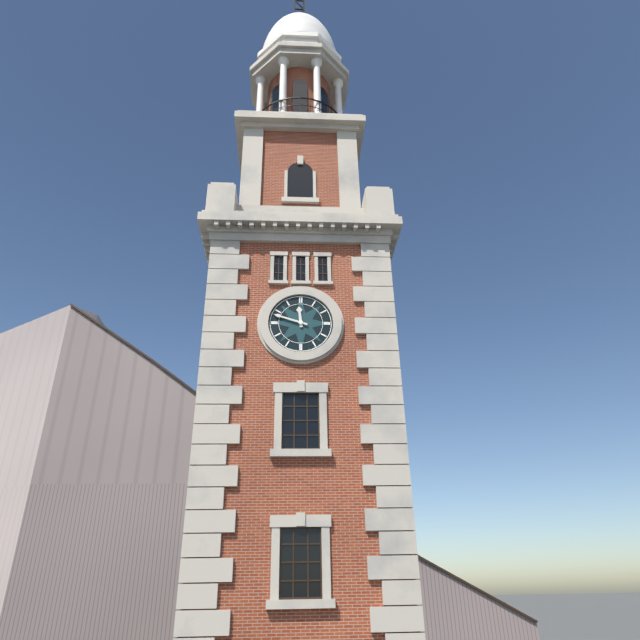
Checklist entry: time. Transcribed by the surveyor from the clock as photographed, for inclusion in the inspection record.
11:48
